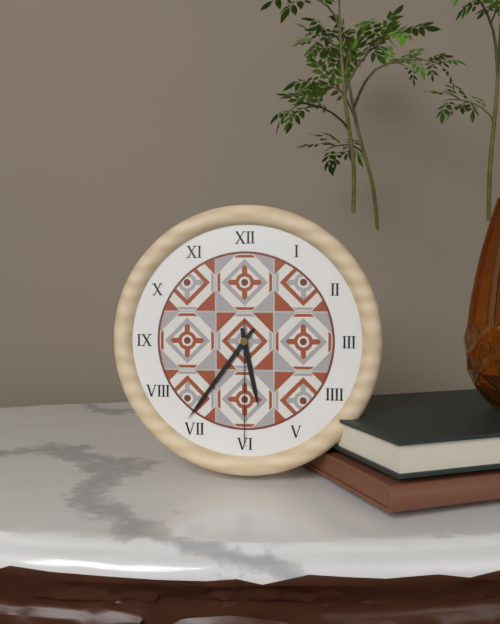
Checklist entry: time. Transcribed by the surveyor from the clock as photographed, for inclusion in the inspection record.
5:36:30
